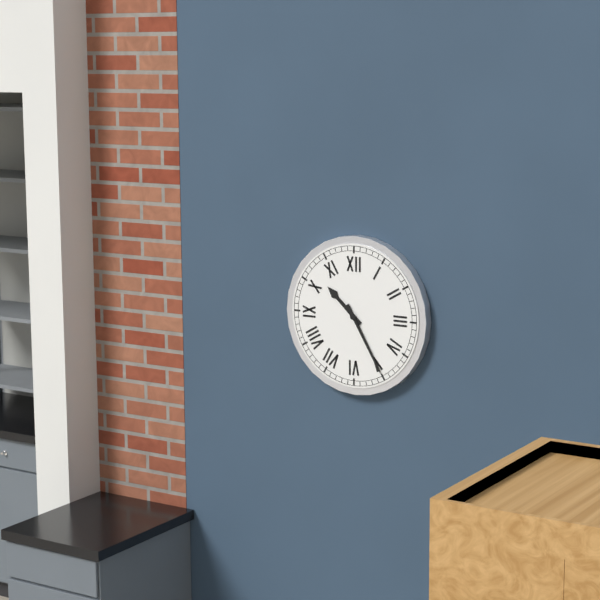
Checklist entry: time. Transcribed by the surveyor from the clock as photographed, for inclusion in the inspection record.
10:25
